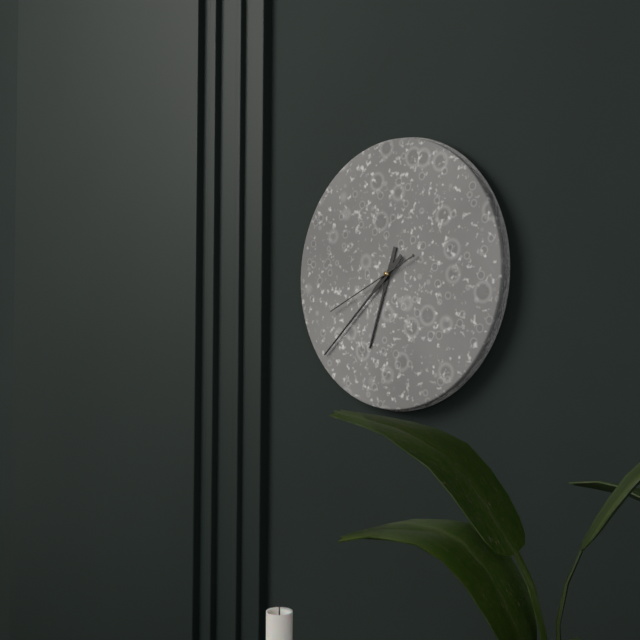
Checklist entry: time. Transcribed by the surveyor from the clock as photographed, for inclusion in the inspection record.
6:38:41
